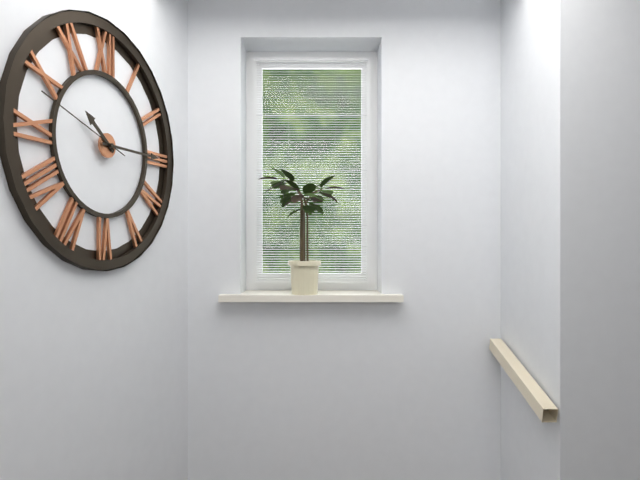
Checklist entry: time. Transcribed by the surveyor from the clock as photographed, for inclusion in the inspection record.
10:15:48
